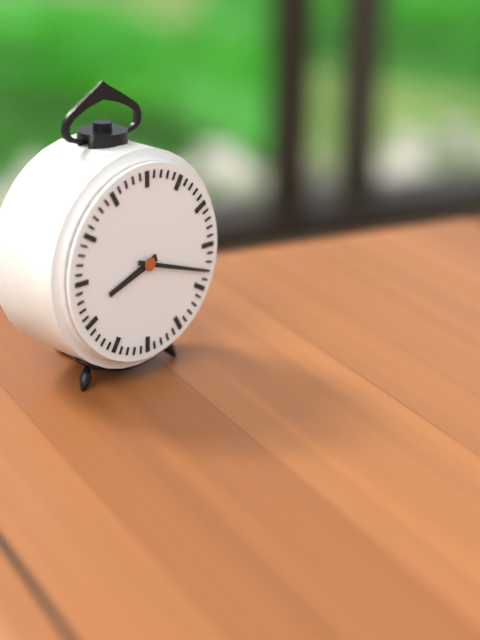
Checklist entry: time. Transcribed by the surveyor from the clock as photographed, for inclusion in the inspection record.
8:18
